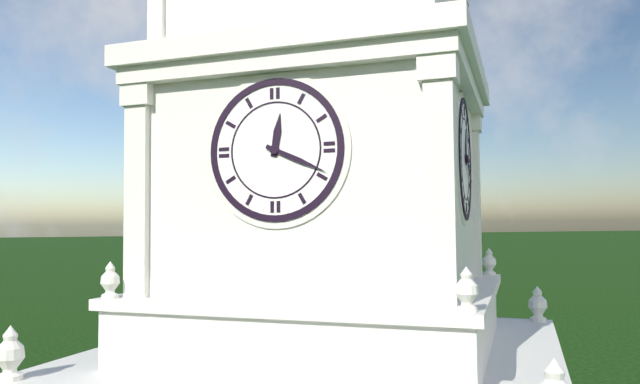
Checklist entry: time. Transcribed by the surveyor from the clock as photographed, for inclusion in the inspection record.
12:19
